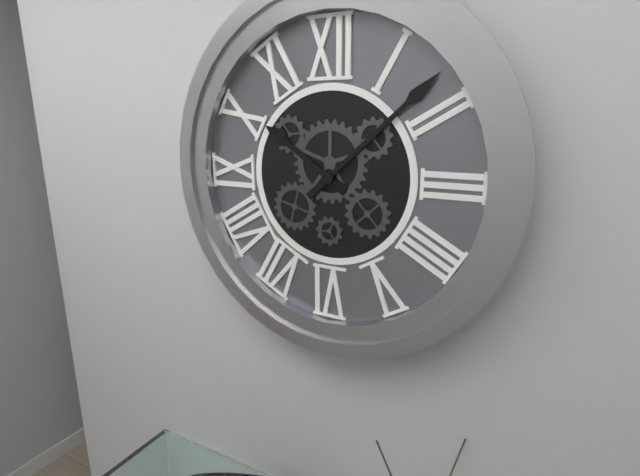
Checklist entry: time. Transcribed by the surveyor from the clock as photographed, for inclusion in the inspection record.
10:08
